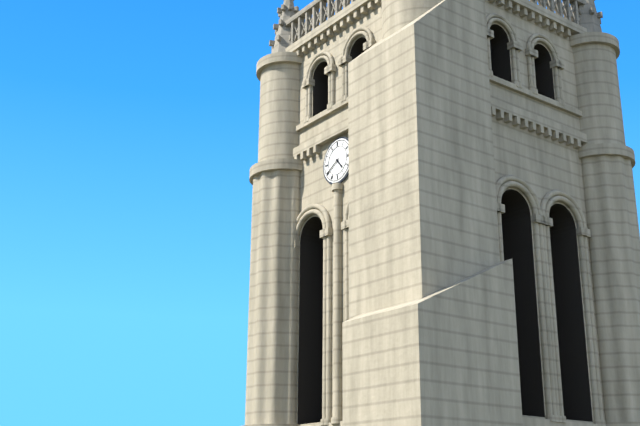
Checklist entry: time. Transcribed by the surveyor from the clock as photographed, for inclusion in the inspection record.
4:40
